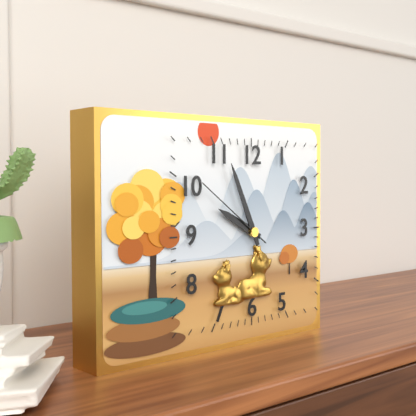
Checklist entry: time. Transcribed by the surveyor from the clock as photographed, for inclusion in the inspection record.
9:56:51
